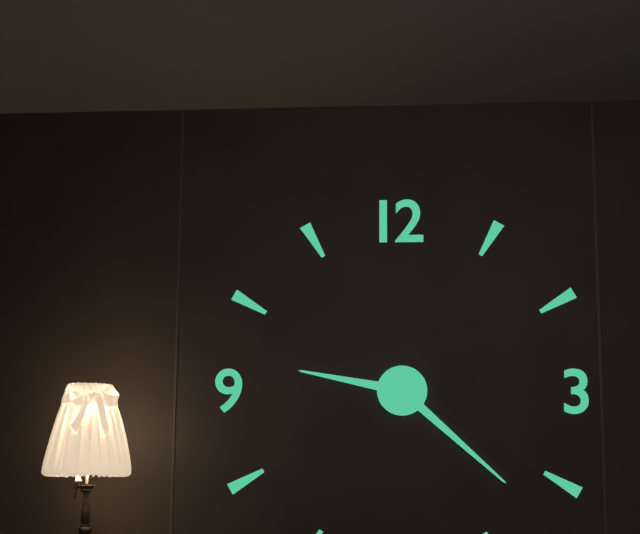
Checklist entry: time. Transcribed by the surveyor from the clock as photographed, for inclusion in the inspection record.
9:22
